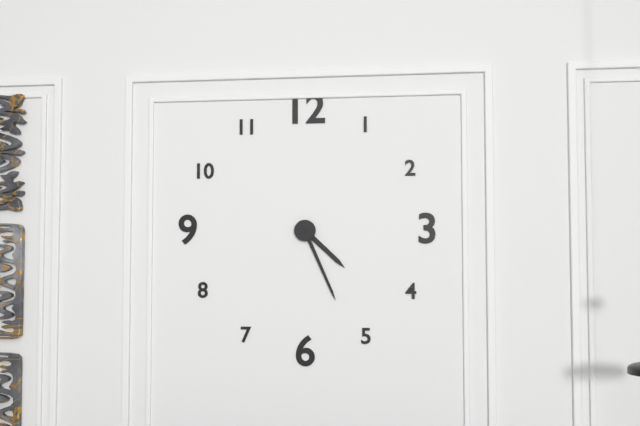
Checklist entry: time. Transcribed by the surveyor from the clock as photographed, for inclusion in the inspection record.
4:26
